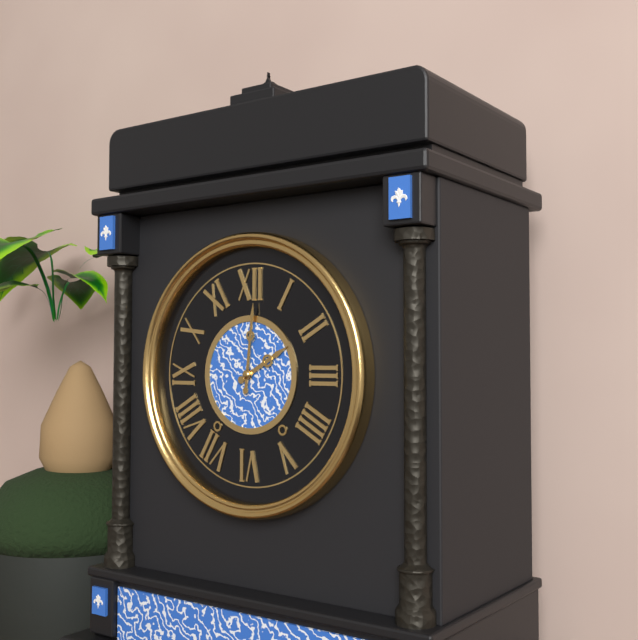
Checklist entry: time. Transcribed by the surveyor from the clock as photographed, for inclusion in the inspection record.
2:01
